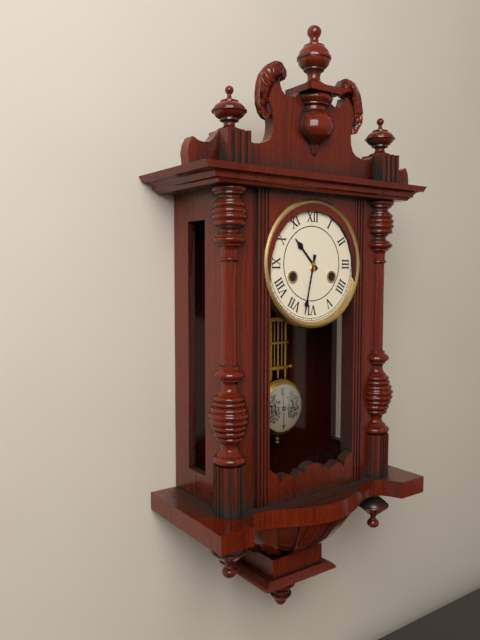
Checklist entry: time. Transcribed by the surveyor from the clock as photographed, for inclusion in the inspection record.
10:32
